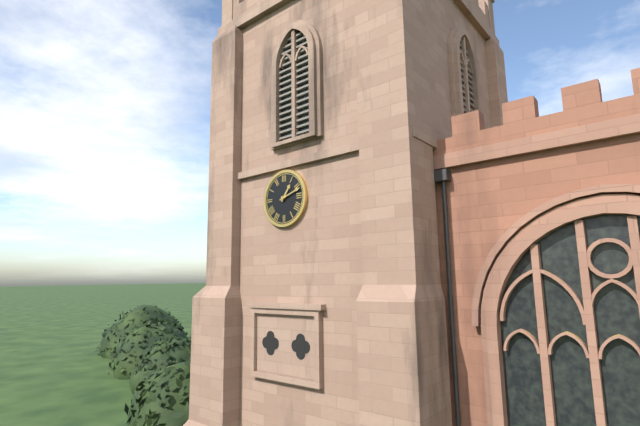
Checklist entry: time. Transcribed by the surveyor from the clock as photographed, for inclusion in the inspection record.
1:12
